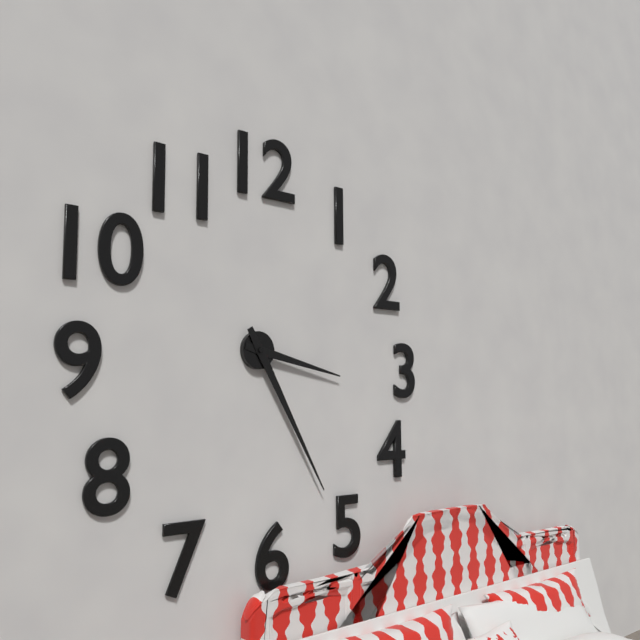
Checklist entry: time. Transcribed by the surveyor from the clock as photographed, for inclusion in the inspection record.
3:25
